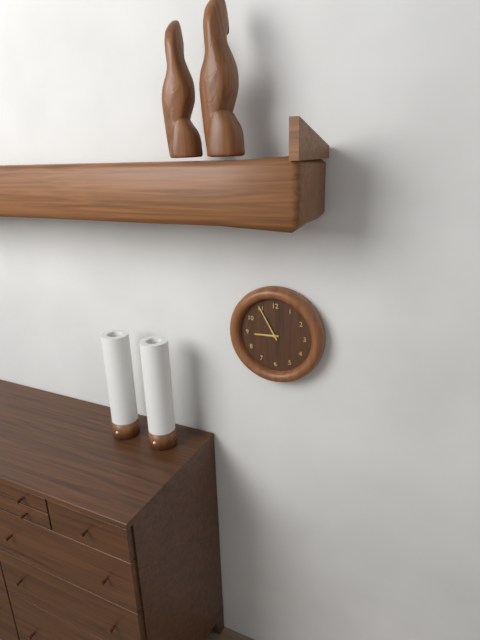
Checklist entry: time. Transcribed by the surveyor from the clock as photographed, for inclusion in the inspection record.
8:55
